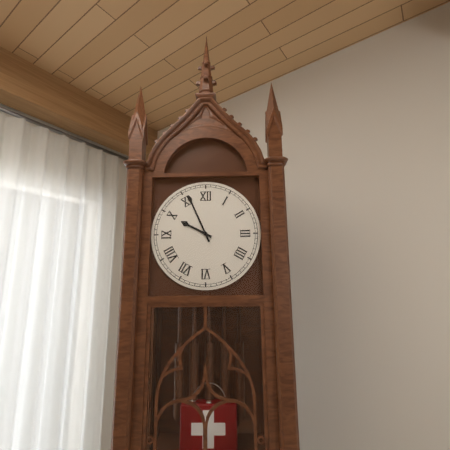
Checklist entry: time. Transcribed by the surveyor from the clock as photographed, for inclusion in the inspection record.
9:56
